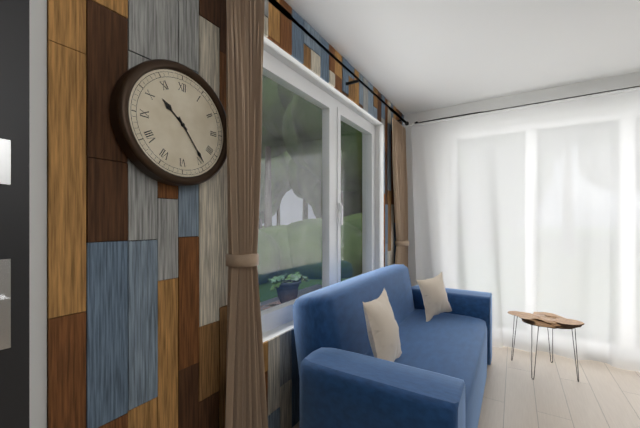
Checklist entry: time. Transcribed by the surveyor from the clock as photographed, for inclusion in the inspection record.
10:24
